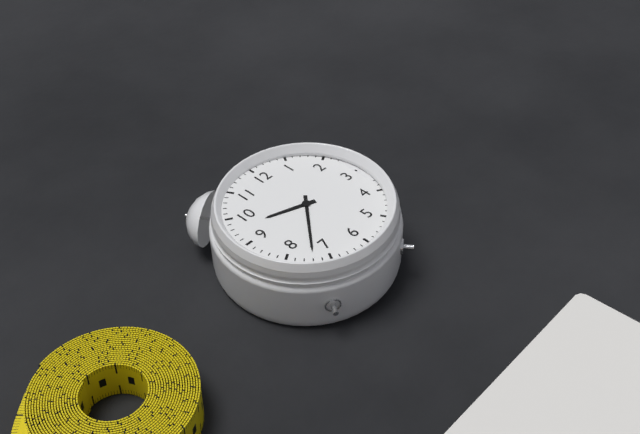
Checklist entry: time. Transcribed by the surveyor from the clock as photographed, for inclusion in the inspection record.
9:37
